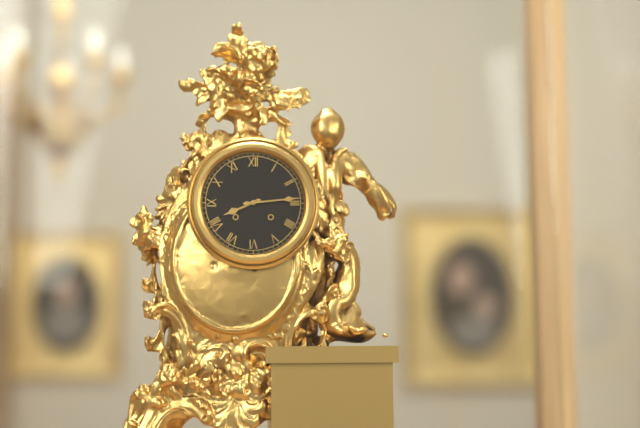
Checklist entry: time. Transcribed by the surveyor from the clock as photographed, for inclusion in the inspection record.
8:14
